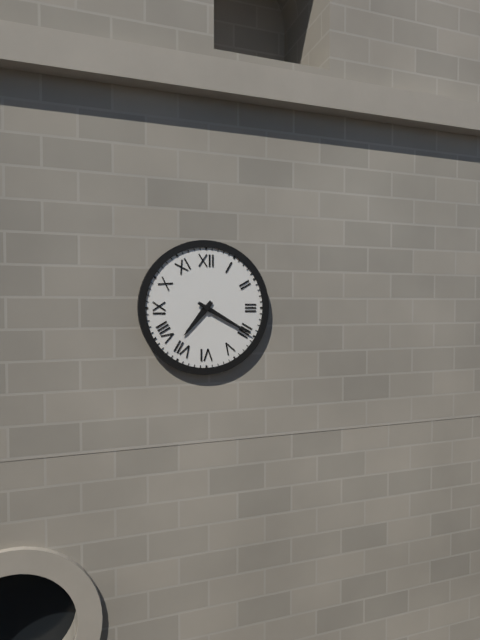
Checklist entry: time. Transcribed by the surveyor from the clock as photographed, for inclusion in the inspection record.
7:20
